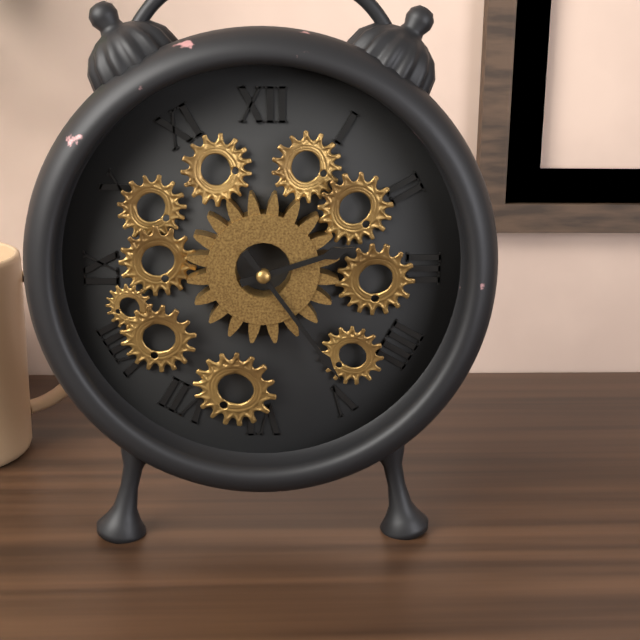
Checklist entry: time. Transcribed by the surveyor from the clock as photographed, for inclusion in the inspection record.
2:24
